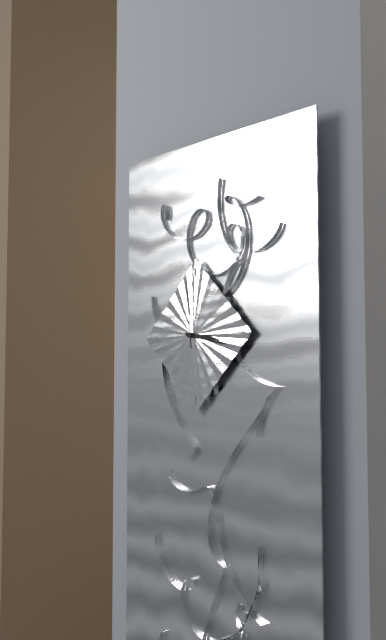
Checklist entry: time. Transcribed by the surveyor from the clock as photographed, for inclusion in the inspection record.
3:17:59
